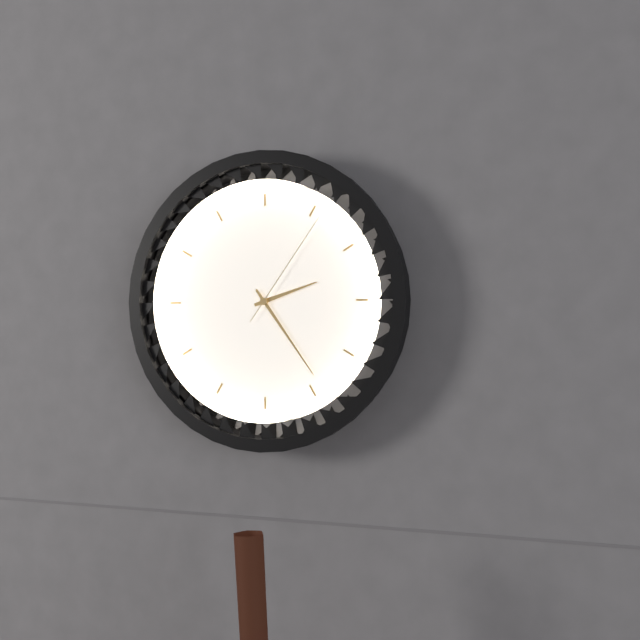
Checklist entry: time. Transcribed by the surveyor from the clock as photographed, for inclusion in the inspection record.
2:24:06
